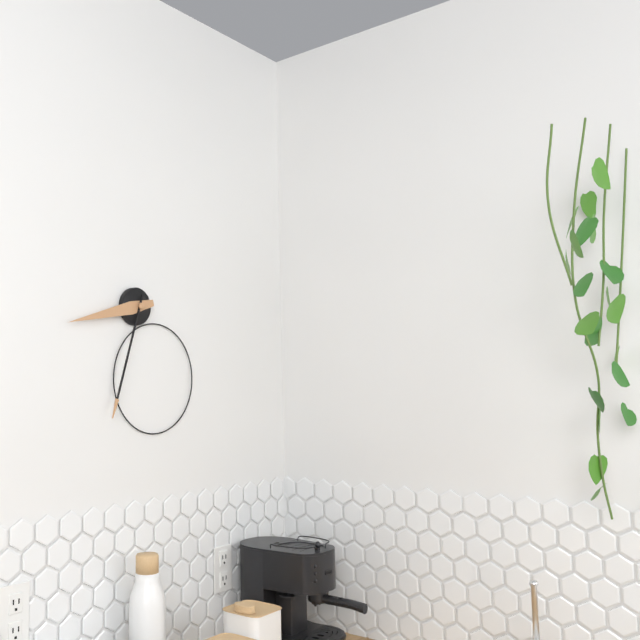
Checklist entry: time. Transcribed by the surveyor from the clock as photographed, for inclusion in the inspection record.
8:33
